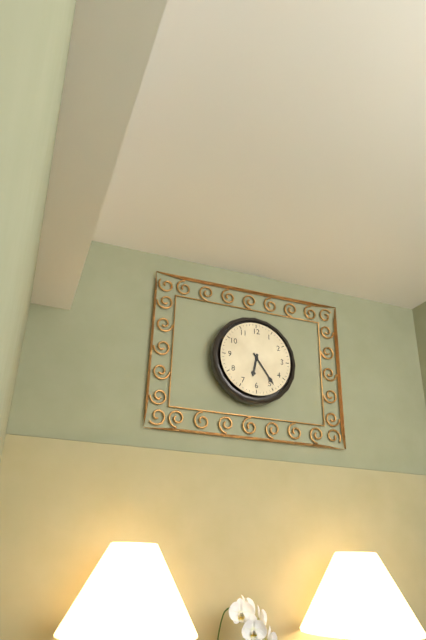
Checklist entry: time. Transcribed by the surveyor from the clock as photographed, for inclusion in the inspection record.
6:24
